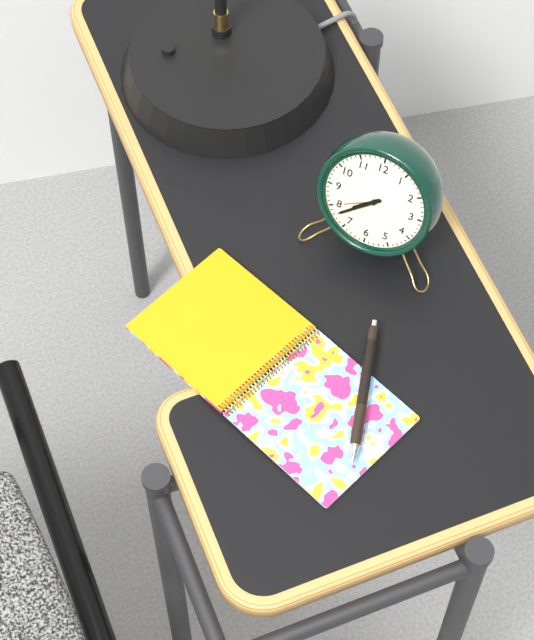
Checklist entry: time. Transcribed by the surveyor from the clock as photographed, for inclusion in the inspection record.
7:38
